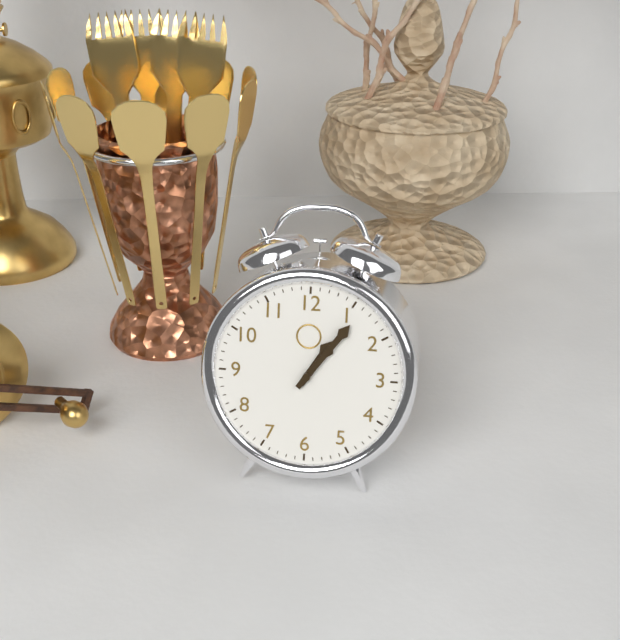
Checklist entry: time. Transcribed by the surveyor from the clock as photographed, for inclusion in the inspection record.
1:06
